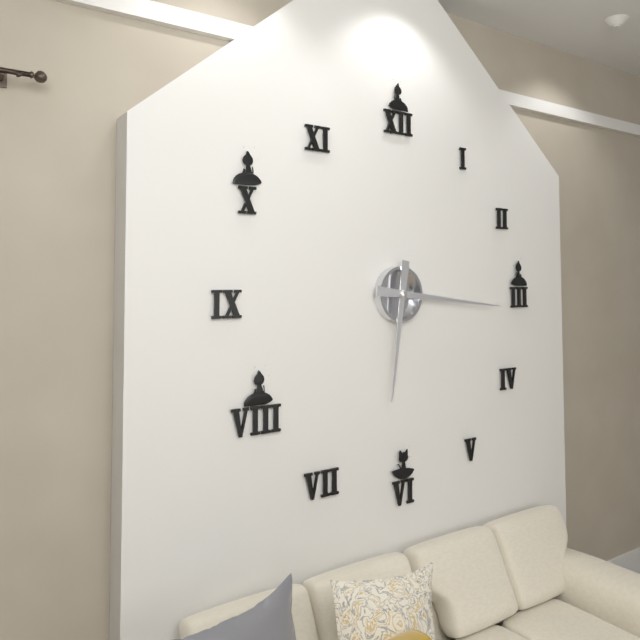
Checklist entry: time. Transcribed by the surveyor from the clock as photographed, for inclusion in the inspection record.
6:16
